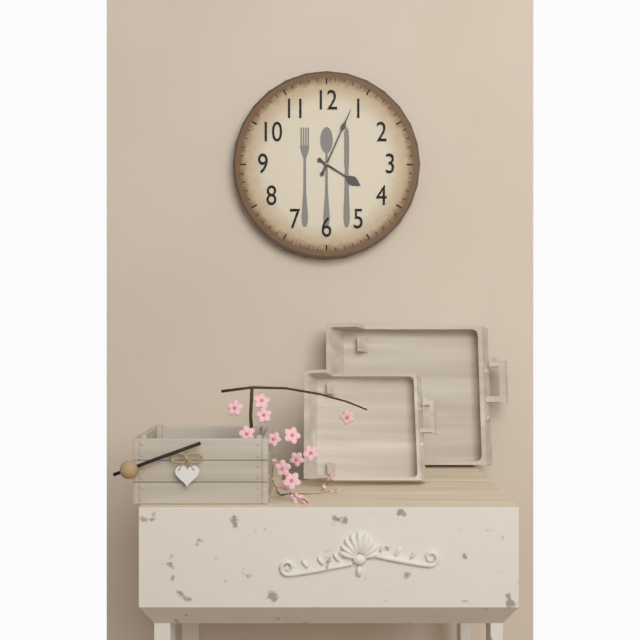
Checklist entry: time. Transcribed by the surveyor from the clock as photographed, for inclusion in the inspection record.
4:04
